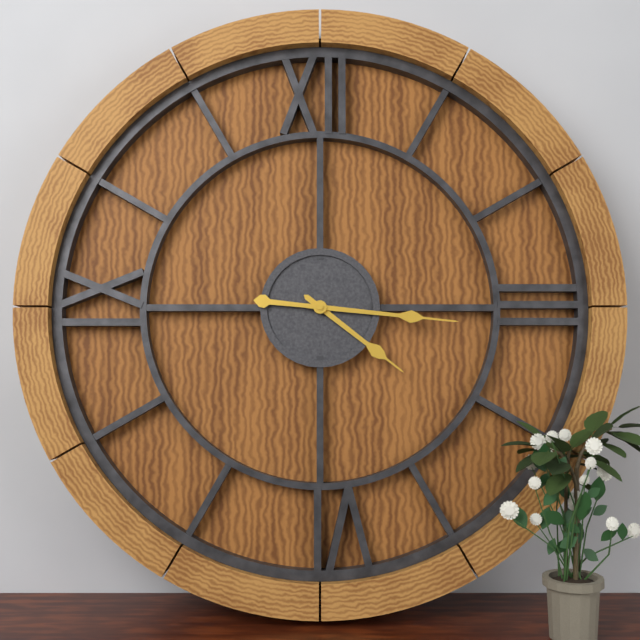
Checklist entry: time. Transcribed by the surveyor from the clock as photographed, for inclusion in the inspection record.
4:16
